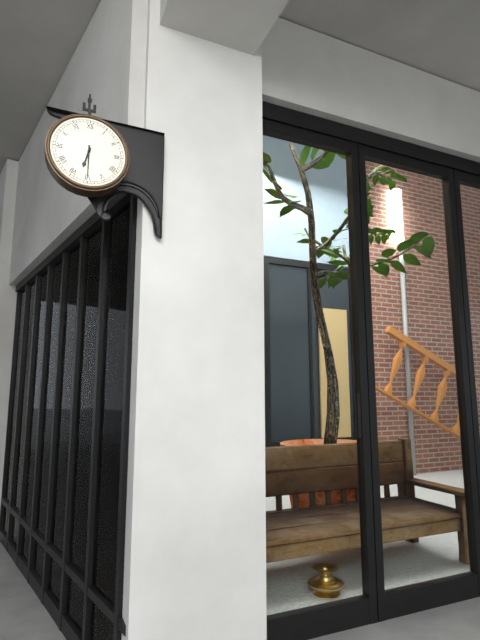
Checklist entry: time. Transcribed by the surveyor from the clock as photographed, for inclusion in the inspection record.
6:30
